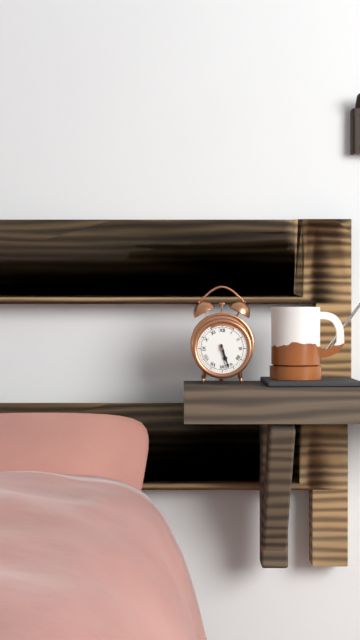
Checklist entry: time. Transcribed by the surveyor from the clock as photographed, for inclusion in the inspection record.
5:27
